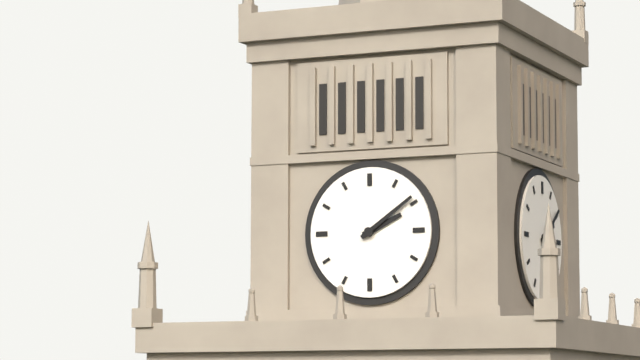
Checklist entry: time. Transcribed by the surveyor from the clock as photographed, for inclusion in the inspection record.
2:09
